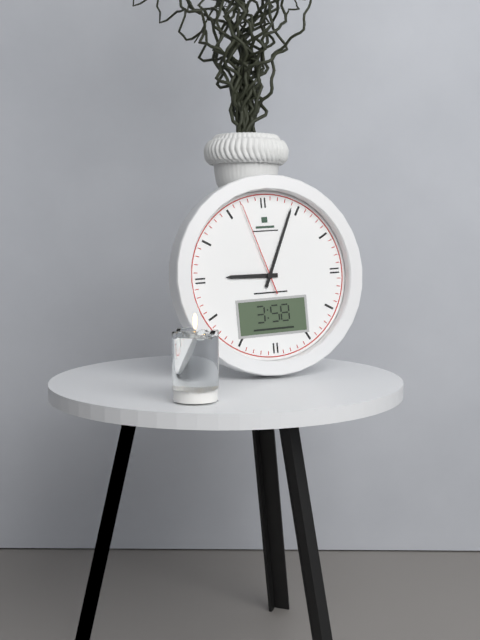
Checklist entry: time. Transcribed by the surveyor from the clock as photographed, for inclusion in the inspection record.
9:04:57
